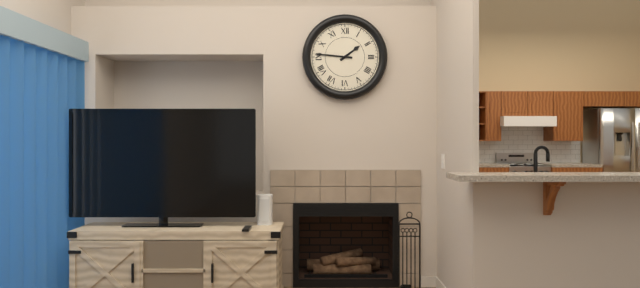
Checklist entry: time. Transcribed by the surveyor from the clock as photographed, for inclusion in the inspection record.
1:46
